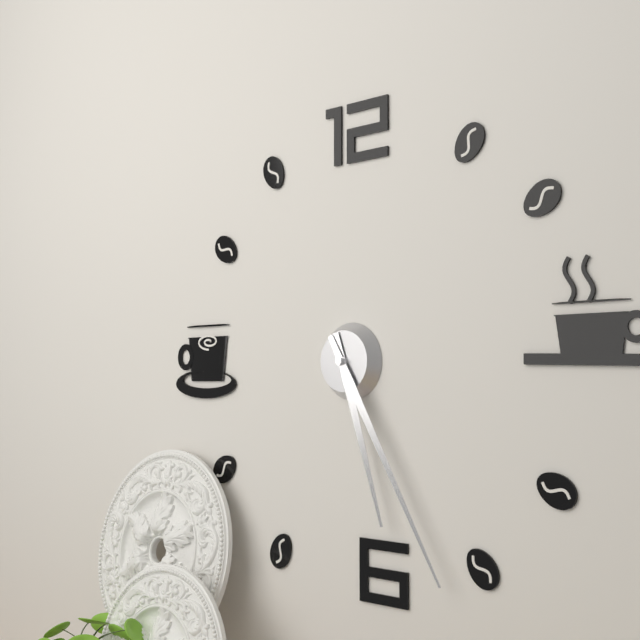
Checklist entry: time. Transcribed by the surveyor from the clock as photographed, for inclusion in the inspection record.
5:25
